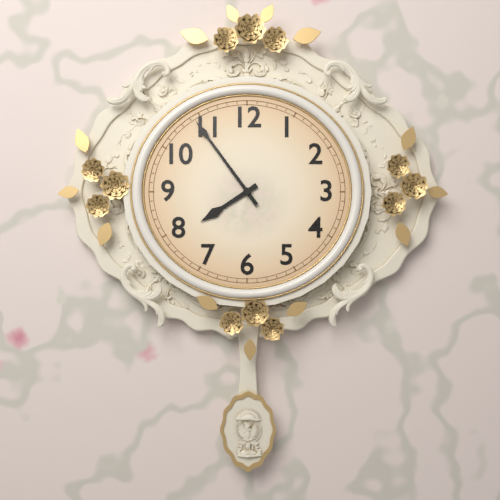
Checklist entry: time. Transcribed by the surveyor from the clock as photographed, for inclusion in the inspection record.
7:54
